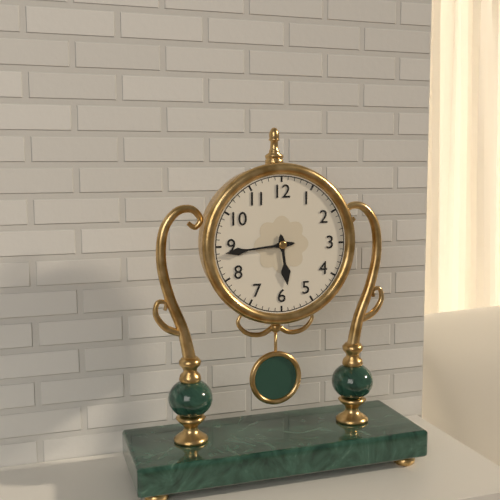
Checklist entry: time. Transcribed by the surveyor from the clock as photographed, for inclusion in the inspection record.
5:44
